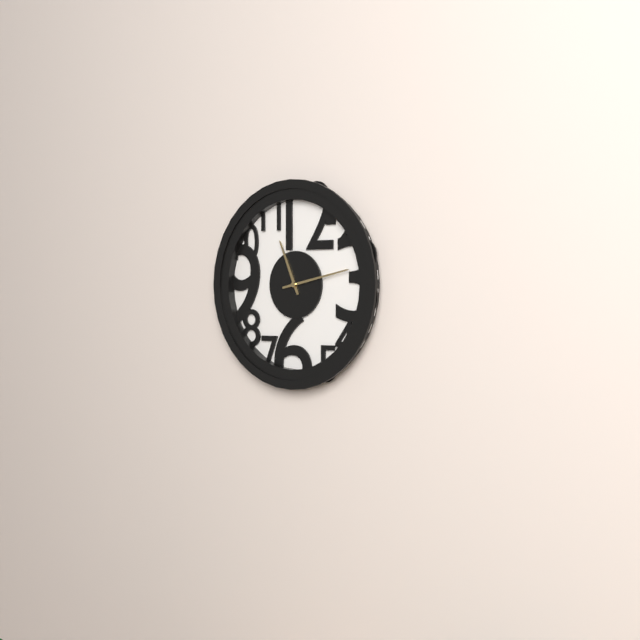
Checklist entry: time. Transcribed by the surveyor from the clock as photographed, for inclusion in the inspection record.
11:13
